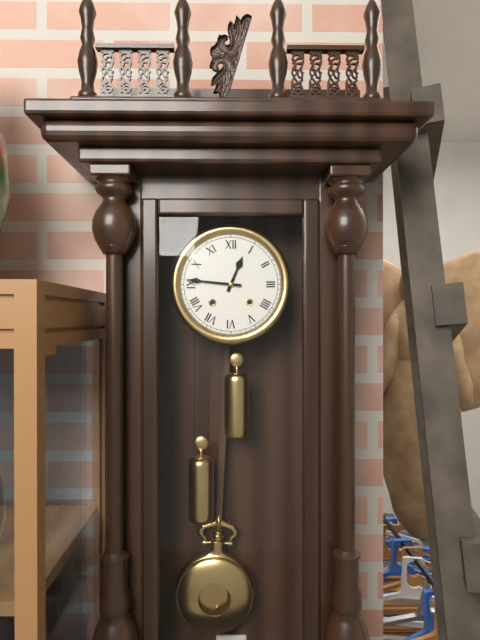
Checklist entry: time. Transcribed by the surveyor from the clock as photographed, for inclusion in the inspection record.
12:46
